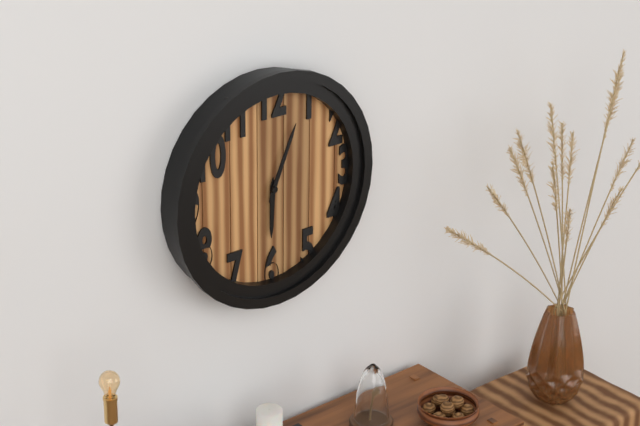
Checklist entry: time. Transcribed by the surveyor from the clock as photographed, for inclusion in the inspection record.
6:04
